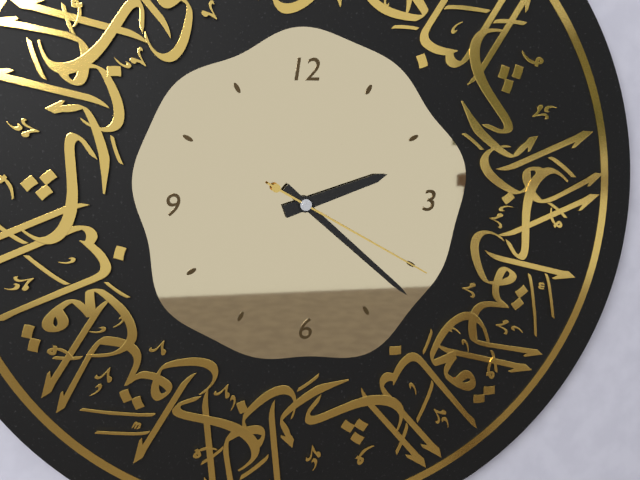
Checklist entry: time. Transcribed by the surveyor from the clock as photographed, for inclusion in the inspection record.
2:22:20
